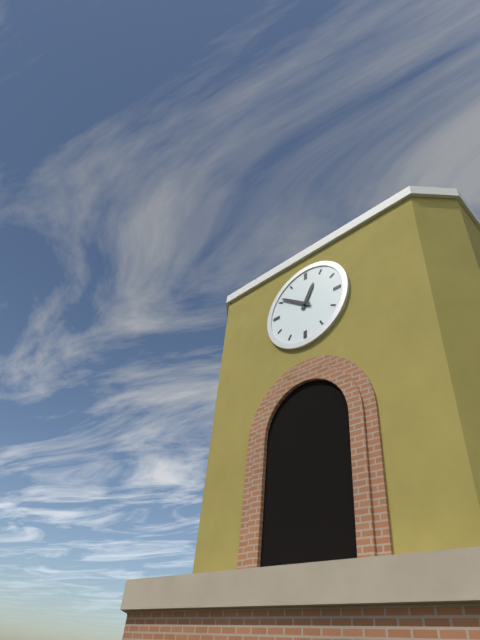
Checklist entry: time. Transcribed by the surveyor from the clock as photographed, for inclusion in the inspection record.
12:51
